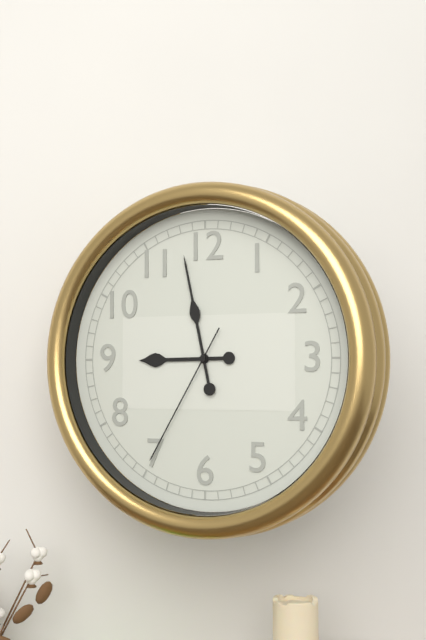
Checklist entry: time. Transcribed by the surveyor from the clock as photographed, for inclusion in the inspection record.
8:58:35
